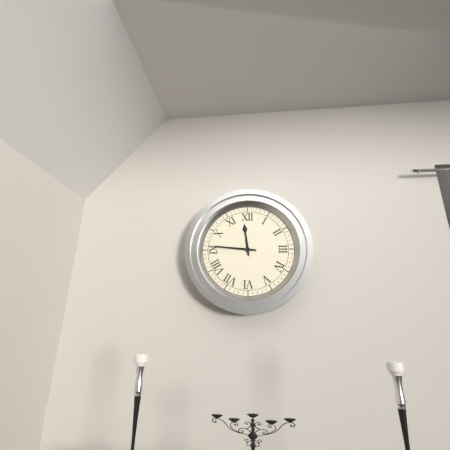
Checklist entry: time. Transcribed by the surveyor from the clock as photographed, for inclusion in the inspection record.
11:46
